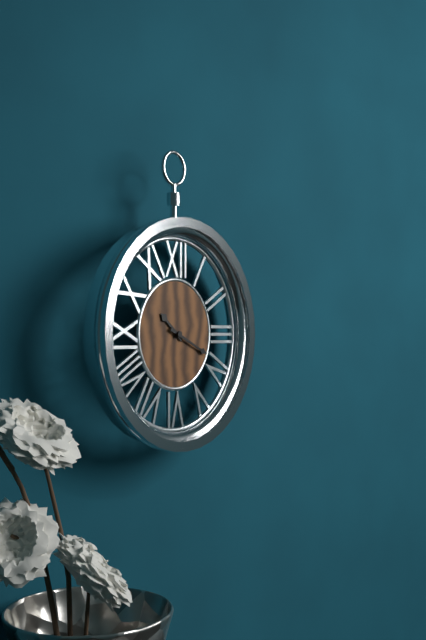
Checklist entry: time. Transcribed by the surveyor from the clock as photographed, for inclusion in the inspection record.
10:19
